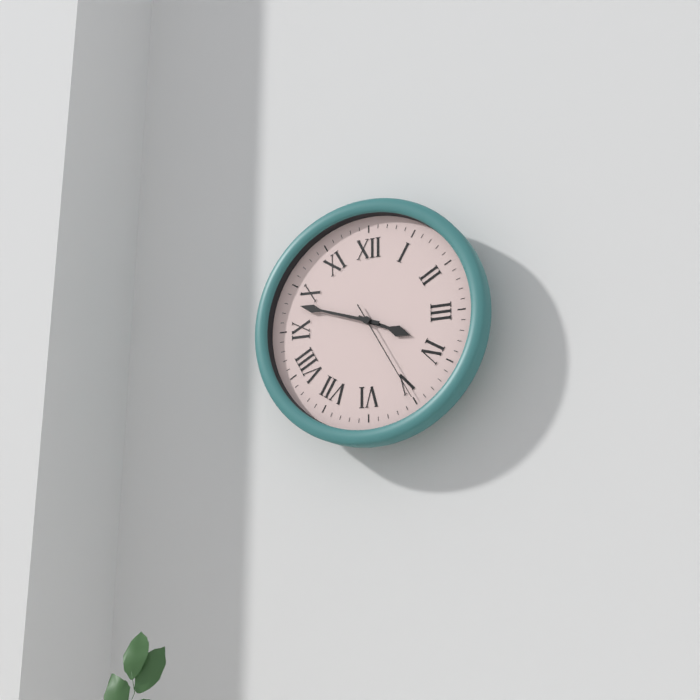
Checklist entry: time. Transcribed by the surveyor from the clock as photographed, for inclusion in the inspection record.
3:48:25
